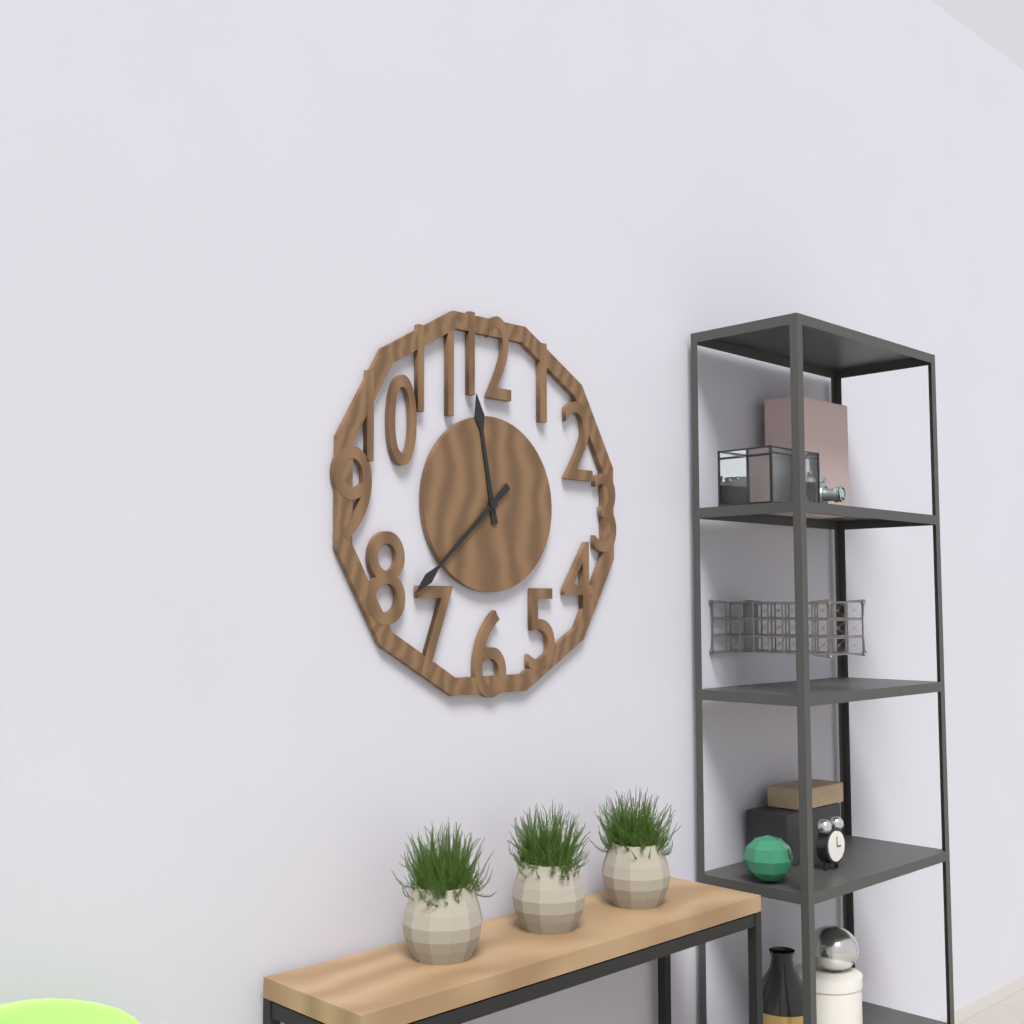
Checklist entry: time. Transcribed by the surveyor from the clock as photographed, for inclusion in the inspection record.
11:38
